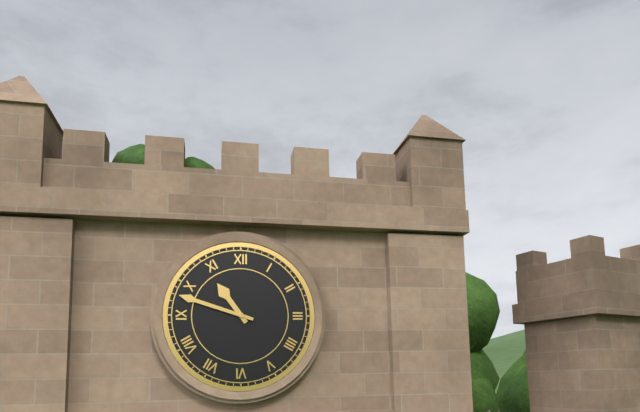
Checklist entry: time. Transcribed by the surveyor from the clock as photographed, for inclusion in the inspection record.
10:48
